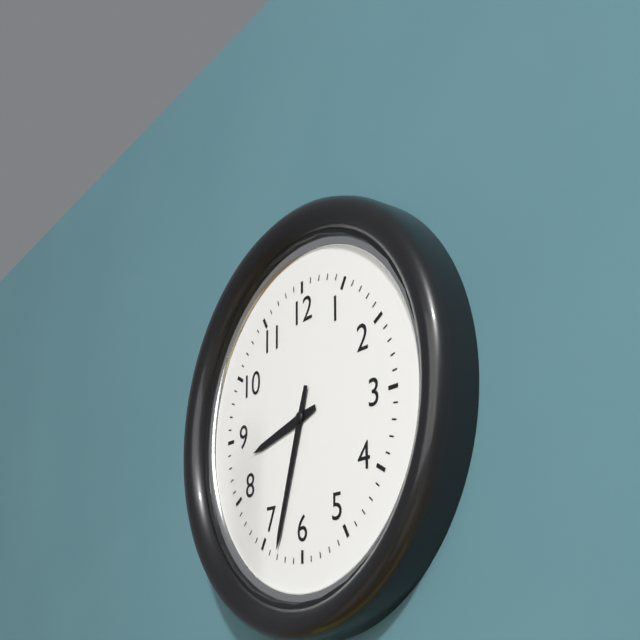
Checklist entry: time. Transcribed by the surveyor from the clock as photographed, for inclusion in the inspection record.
8:33
